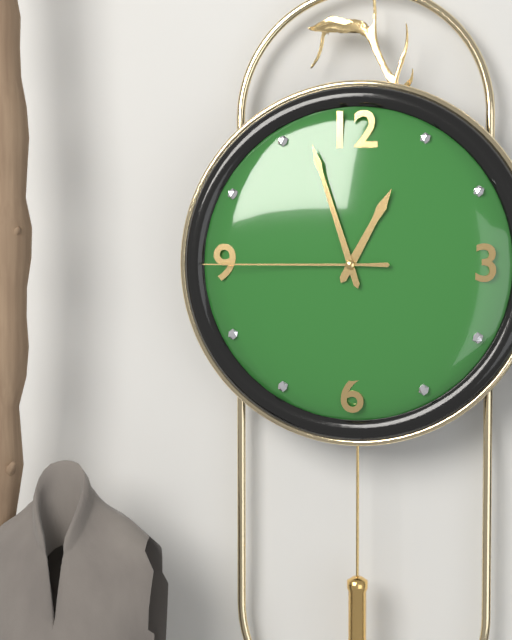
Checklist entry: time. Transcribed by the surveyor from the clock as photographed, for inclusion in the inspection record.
12:57:45
